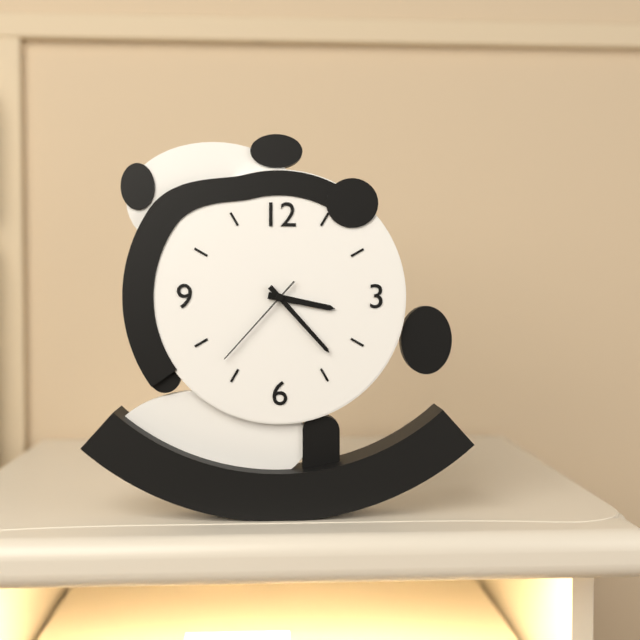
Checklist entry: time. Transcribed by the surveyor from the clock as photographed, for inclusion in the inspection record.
3:23:37
